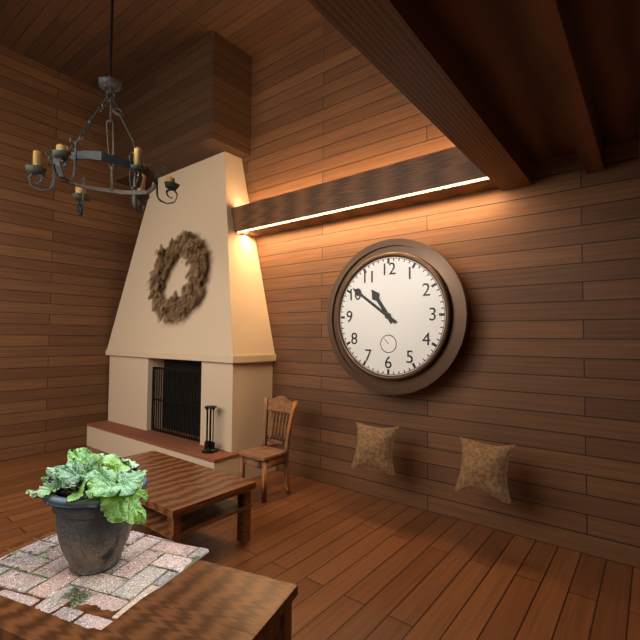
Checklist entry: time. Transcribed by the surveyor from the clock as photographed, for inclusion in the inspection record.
10:51
